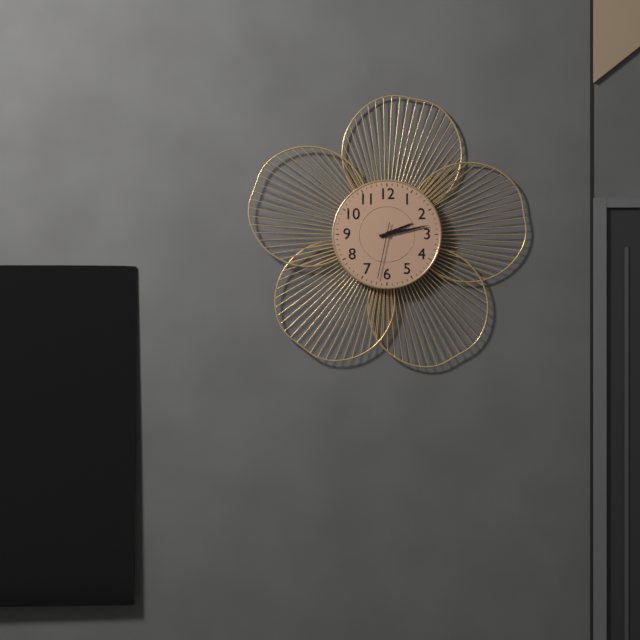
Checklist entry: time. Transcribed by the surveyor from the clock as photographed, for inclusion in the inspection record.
2:13:32
